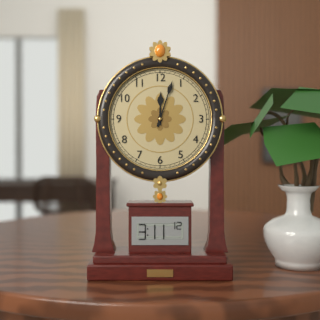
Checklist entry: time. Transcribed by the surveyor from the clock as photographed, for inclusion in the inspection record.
12:03
